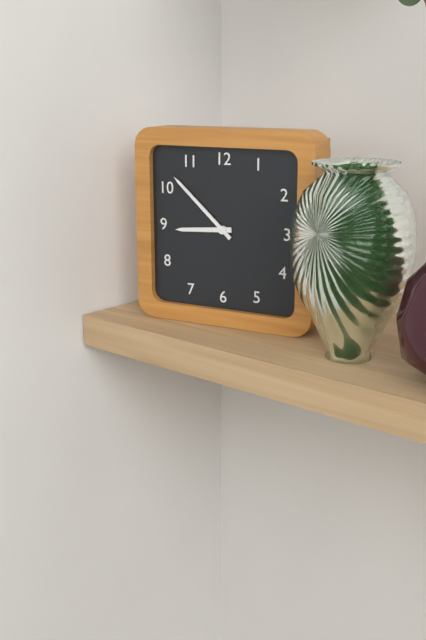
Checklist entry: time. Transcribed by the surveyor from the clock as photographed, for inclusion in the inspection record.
8:52
